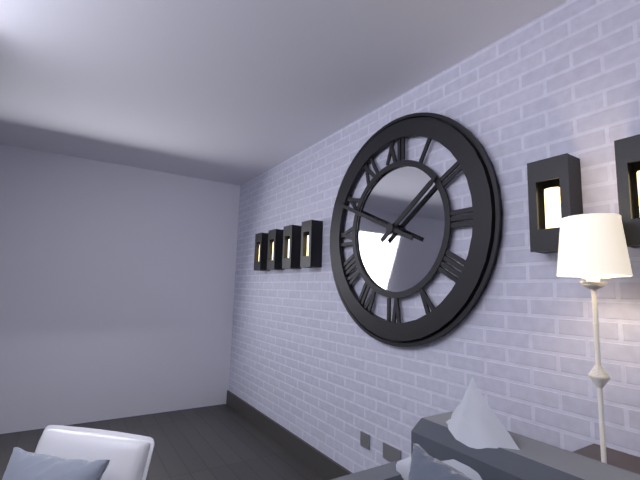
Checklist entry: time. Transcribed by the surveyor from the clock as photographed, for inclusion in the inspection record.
1:49
